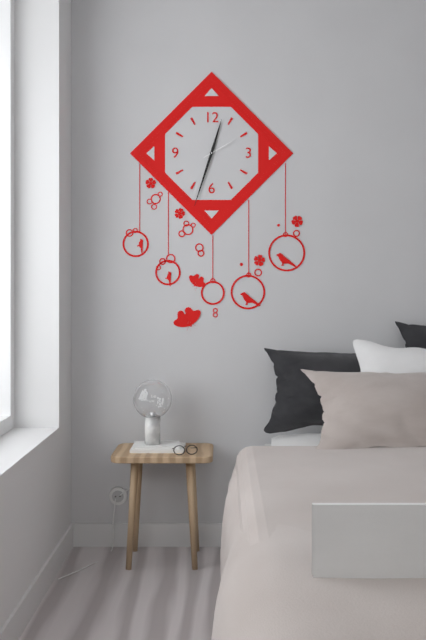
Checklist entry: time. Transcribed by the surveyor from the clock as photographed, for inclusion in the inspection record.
12:33
